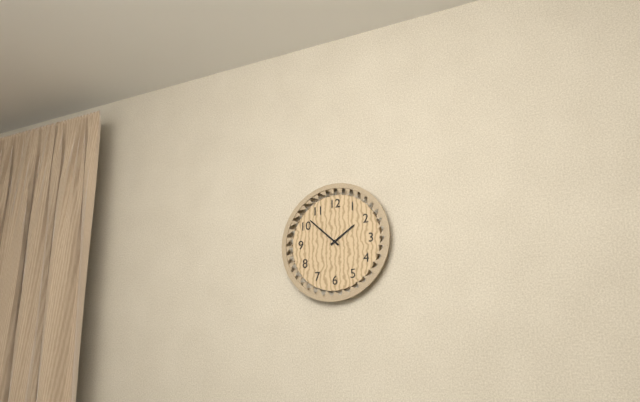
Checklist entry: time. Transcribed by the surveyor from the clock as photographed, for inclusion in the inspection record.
1:52
